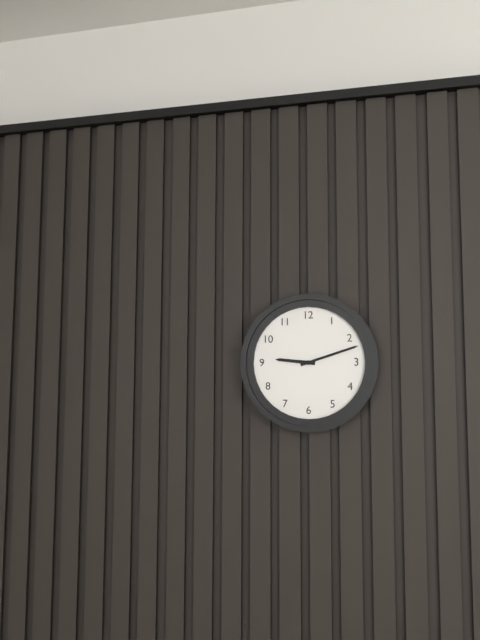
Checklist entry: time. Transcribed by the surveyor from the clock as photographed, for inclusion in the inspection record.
9:12
